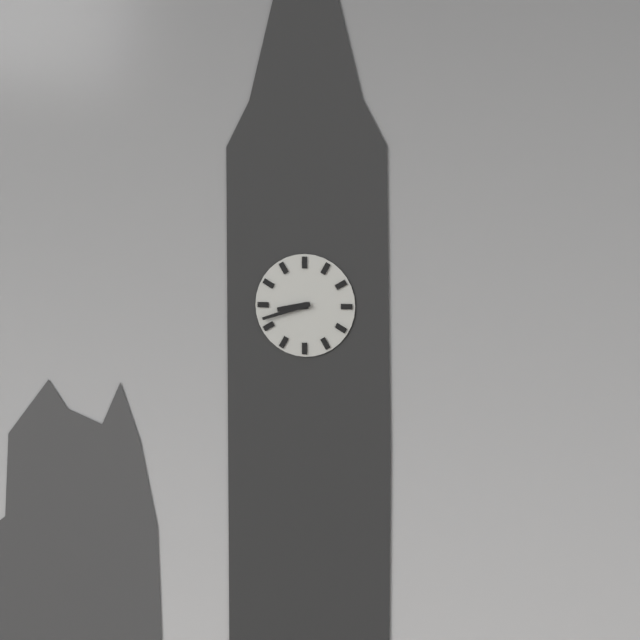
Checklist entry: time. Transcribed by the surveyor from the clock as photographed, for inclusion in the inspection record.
8:42
